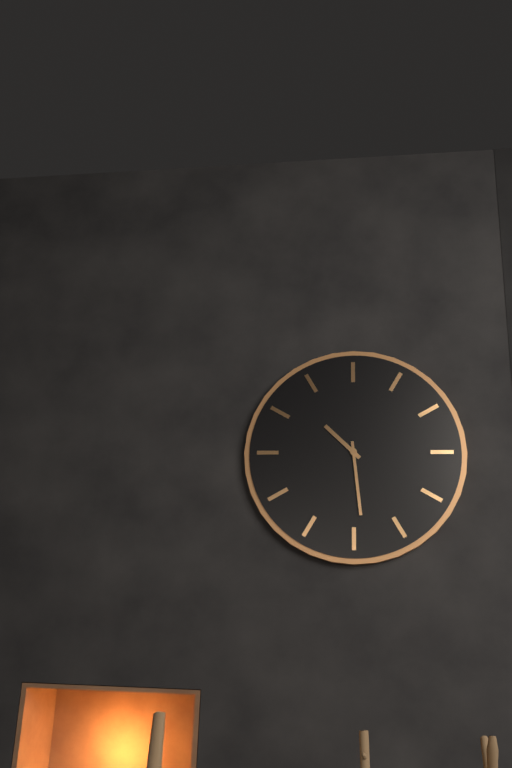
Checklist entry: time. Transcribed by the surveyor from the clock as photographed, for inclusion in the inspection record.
10:29
